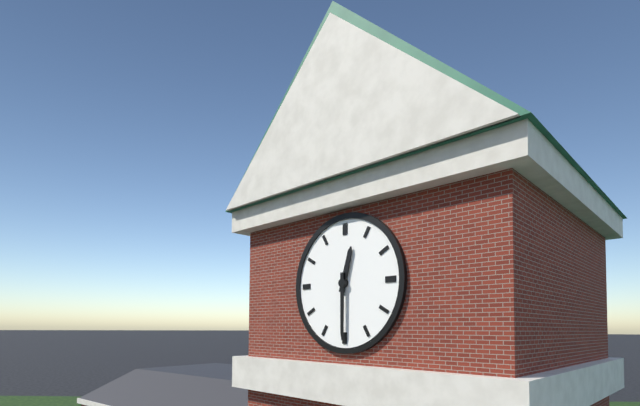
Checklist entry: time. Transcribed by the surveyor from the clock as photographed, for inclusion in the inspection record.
12:30
